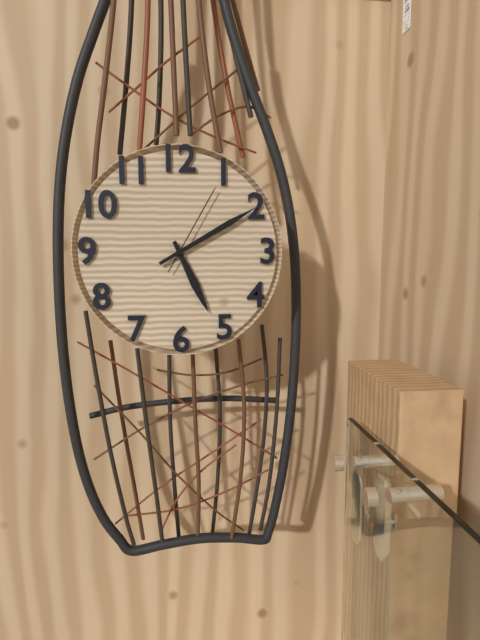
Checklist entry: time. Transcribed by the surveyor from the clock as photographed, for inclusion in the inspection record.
5:10:05
